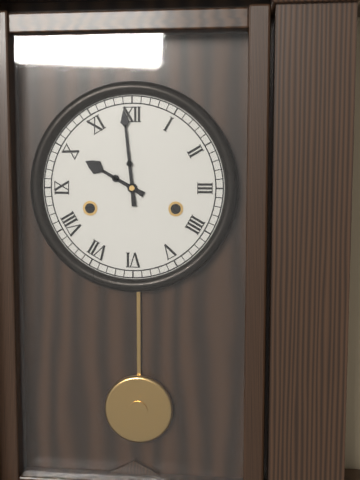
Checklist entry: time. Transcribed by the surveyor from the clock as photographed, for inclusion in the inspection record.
9:59
